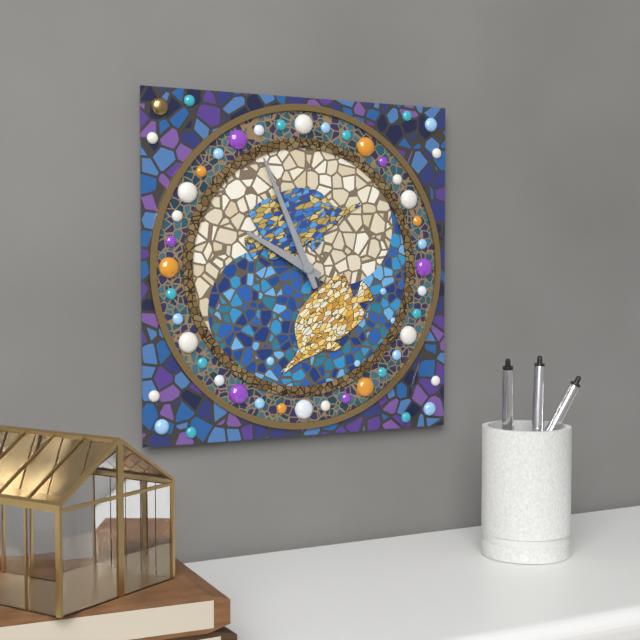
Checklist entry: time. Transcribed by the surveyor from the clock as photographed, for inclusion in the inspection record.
9:56
